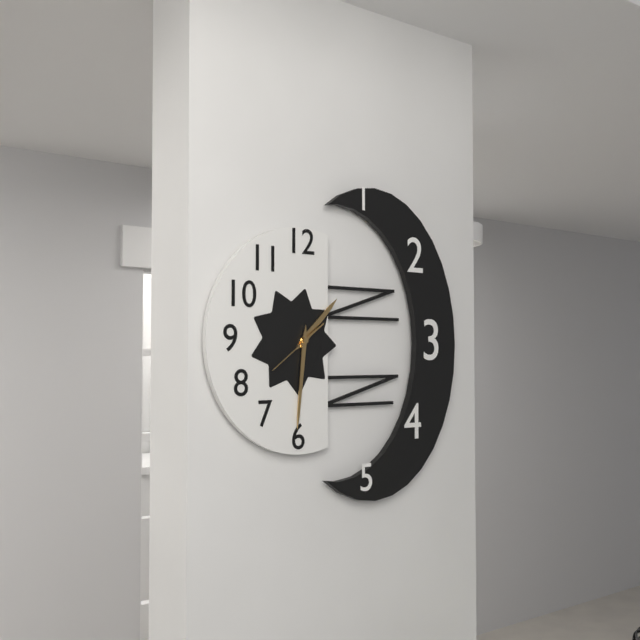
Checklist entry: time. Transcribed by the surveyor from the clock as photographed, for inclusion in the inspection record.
1:31
